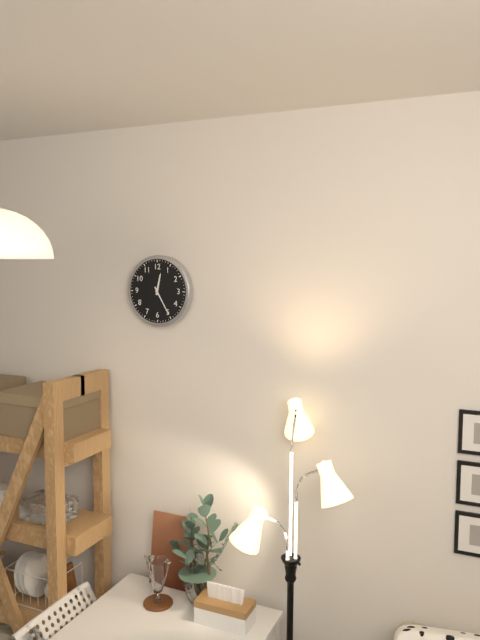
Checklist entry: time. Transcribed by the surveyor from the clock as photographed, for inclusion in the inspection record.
12:25
